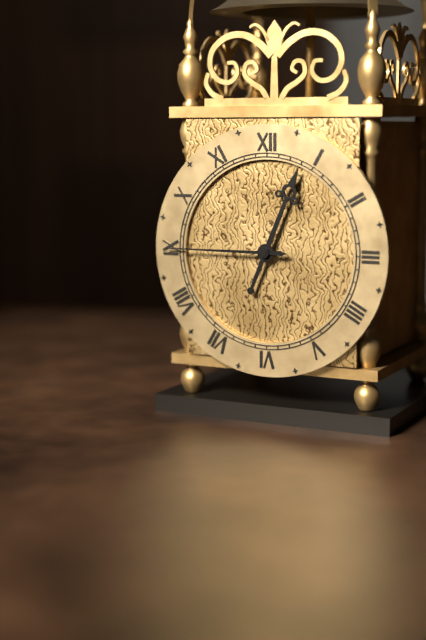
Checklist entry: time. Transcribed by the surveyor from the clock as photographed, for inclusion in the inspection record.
12:45
